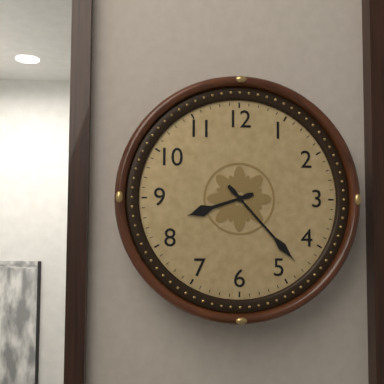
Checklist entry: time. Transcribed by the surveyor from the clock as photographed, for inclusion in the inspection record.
8:23
